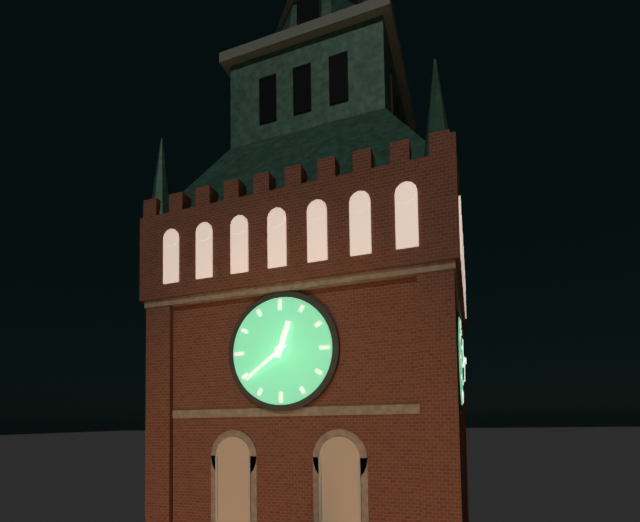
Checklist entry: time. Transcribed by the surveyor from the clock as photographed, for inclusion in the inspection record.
12:39
